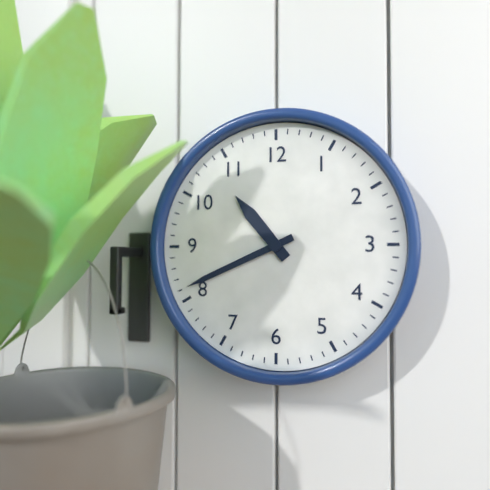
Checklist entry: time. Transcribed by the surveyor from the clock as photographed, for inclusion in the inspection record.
10:41
